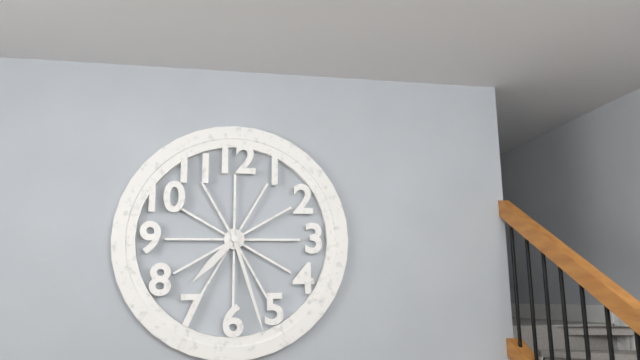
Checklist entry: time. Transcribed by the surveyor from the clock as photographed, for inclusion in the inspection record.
7:27
